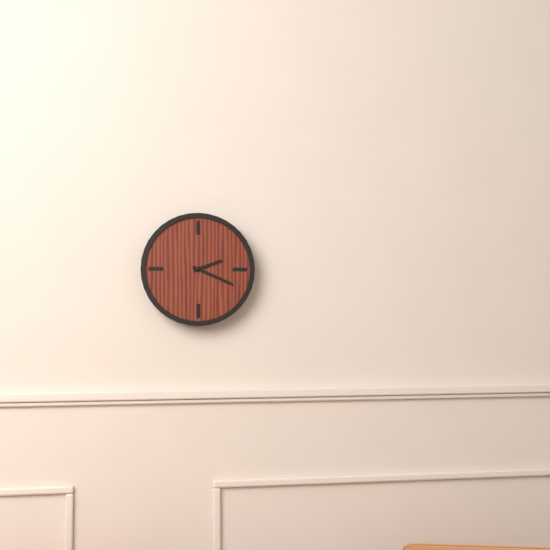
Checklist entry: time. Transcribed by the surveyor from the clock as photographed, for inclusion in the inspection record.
2:19
